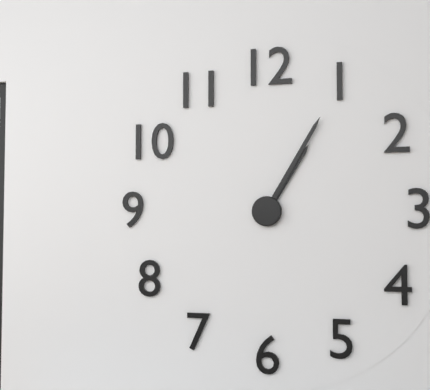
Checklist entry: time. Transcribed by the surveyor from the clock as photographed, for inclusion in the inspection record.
1:05
